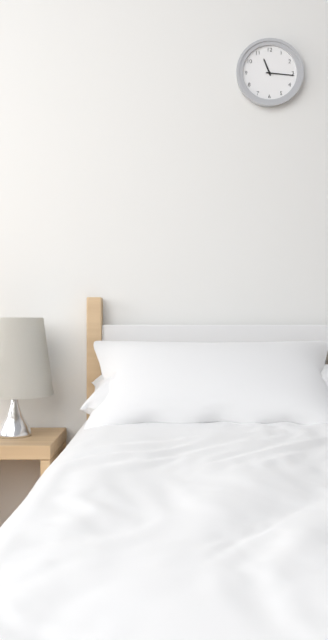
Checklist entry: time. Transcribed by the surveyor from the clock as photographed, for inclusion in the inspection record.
11:16
